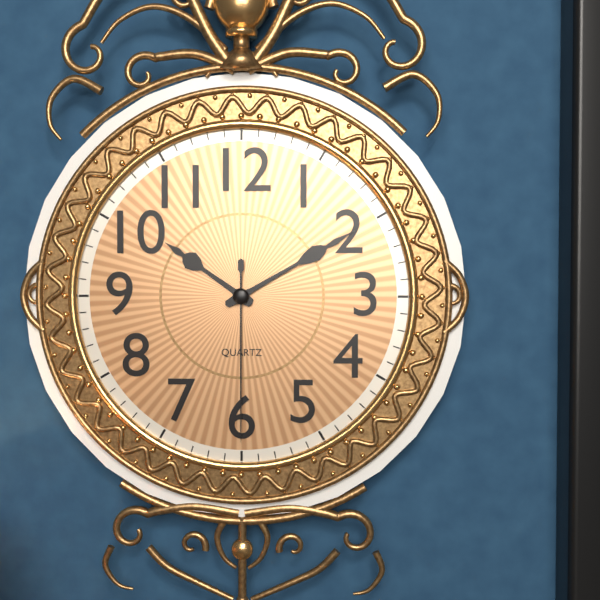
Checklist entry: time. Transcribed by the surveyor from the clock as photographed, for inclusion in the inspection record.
10:10:30
